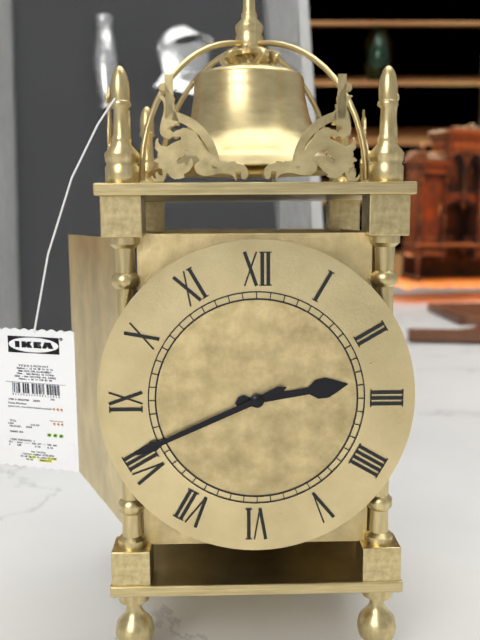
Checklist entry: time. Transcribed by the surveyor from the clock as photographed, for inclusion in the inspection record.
2:41
